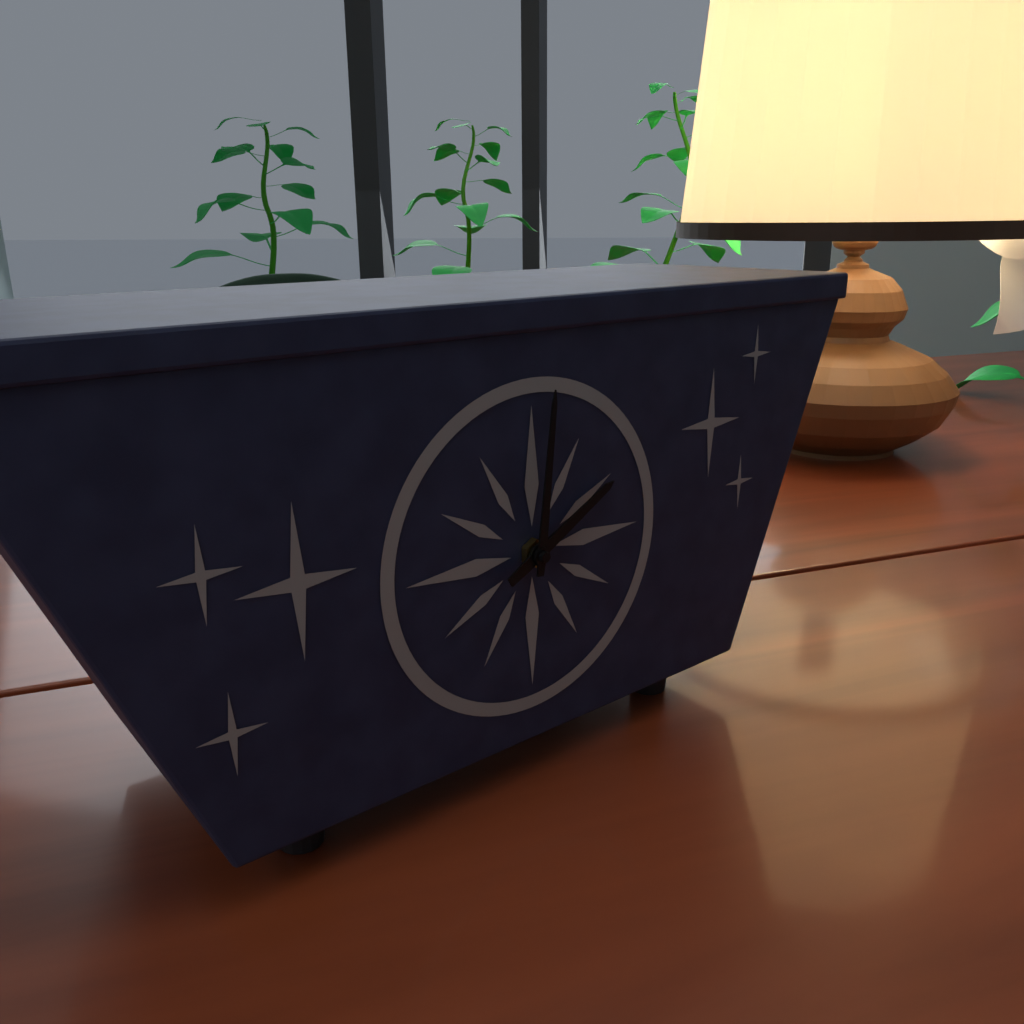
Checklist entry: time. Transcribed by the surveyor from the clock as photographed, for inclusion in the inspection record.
2:01
